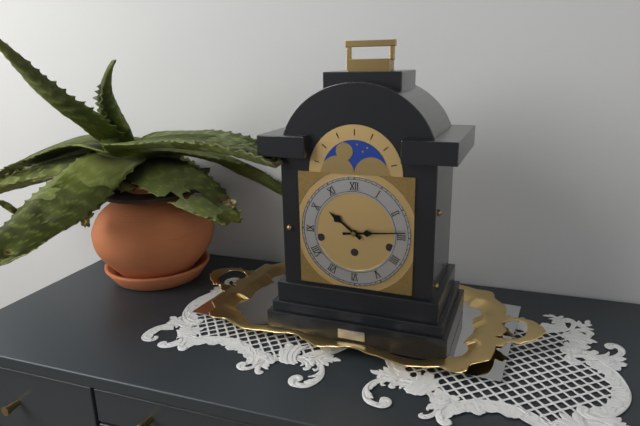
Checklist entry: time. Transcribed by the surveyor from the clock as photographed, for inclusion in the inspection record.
10:14
